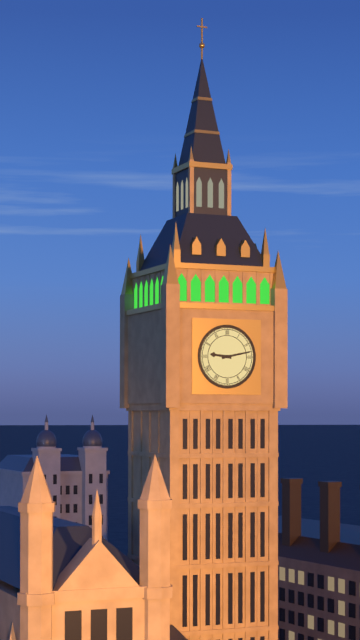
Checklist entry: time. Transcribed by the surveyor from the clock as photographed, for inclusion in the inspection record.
9:13
